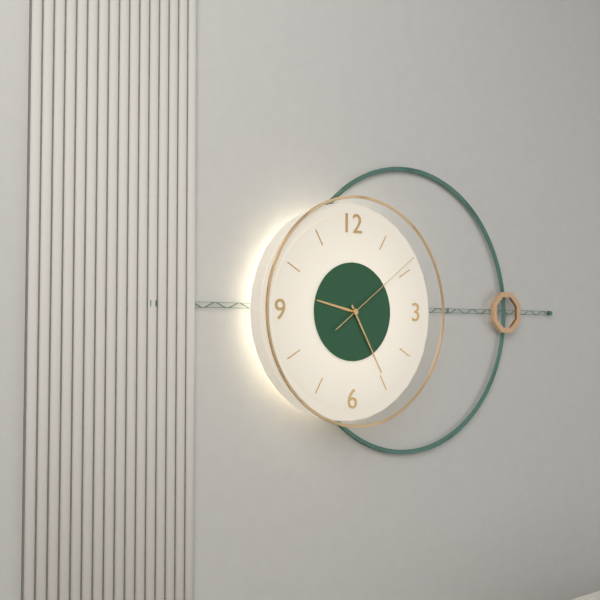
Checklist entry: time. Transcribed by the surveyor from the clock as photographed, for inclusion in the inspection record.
9:25:09
